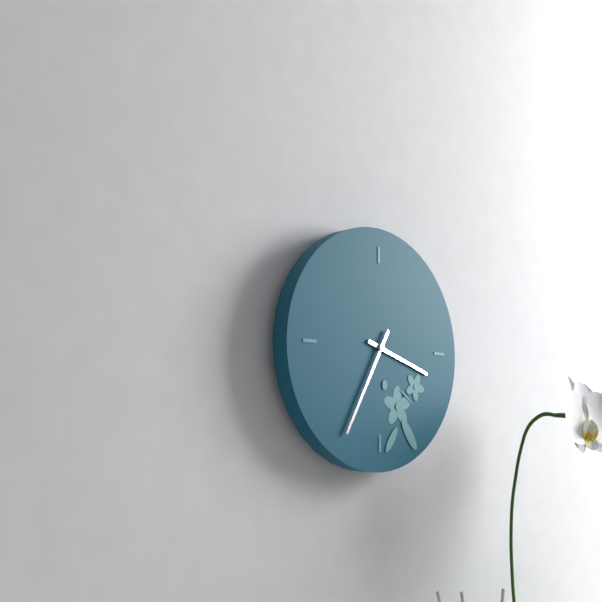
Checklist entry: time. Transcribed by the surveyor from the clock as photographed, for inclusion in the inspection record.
3:35
